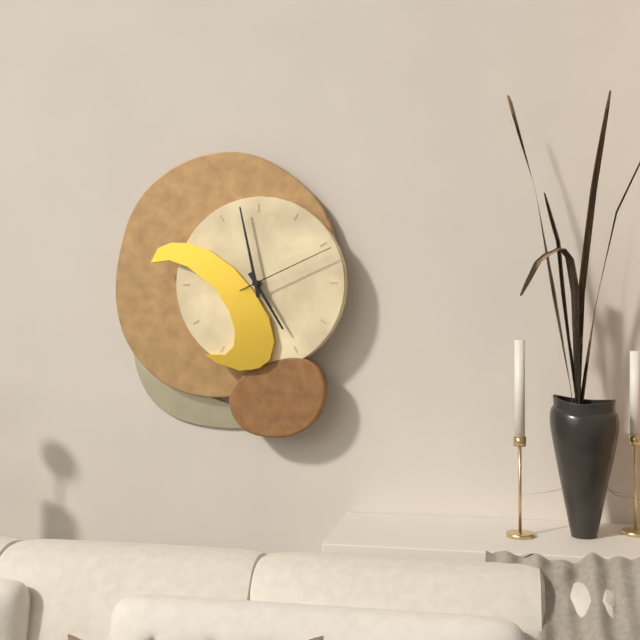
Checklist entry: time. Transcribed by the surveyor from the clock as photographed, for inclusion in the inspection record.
4:58:11
